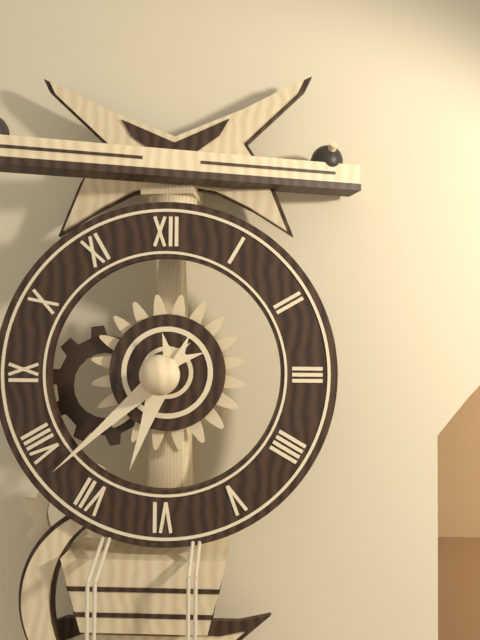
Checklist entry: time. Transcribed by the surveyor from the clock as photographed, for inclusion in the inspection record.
6:38
